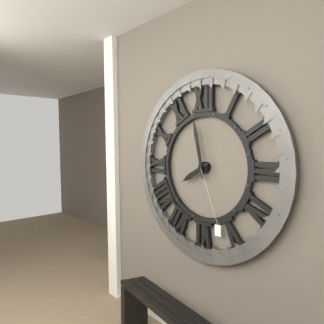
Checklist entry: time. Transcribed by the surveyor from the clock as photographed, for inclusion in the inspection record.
7:58
